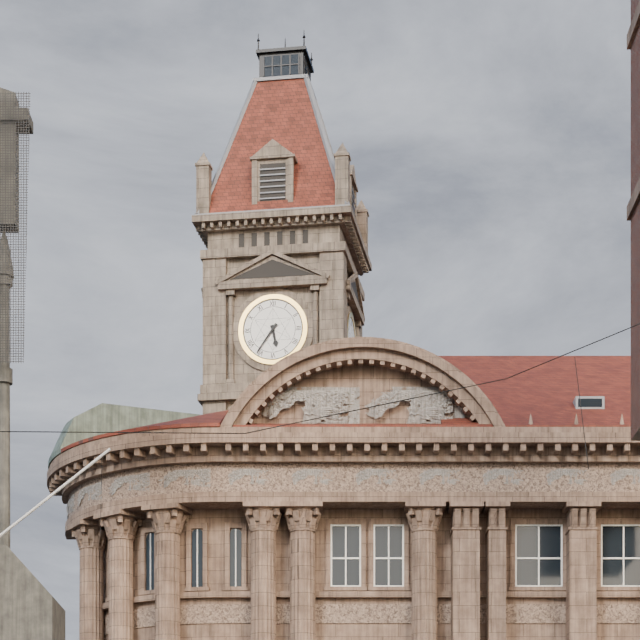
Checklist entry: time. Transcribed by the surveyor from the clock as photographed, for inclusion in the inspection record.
5:36
